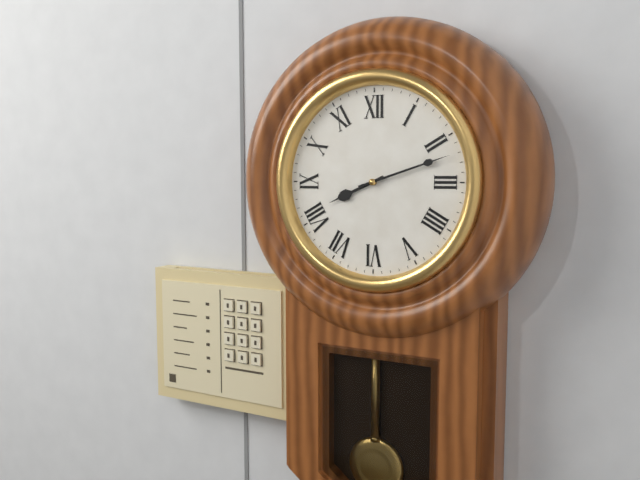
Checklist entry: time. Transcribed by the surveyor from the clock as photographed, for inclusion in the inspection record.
8:12
